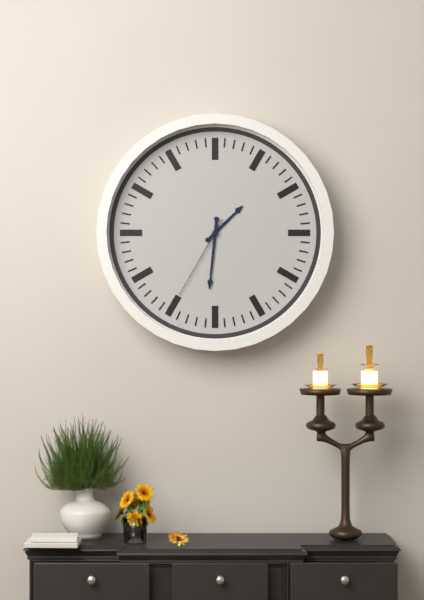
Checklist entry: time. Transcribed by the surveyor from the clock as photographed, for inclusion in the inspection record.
1:31:35
